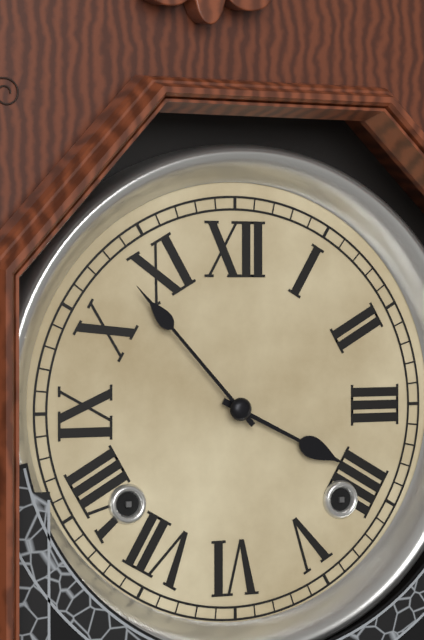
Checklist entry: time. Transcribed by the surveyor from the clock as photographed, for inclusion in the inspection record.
3:53
